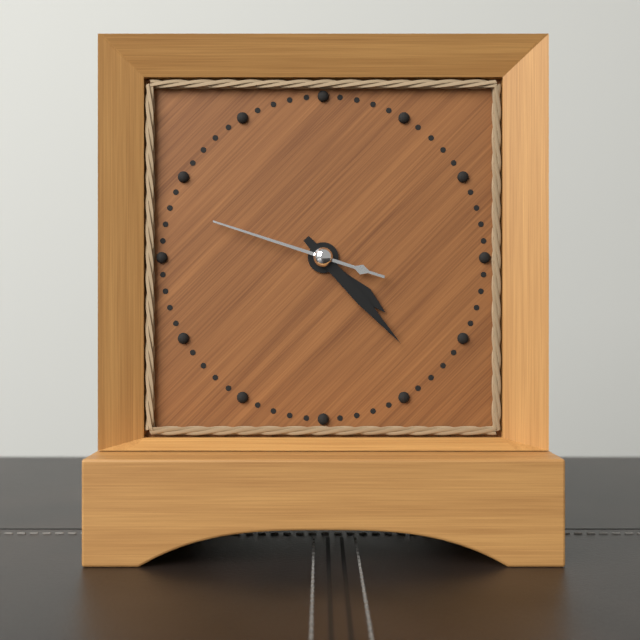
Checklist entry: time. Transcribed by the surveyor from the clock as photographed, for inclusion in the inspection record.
4:23:48
